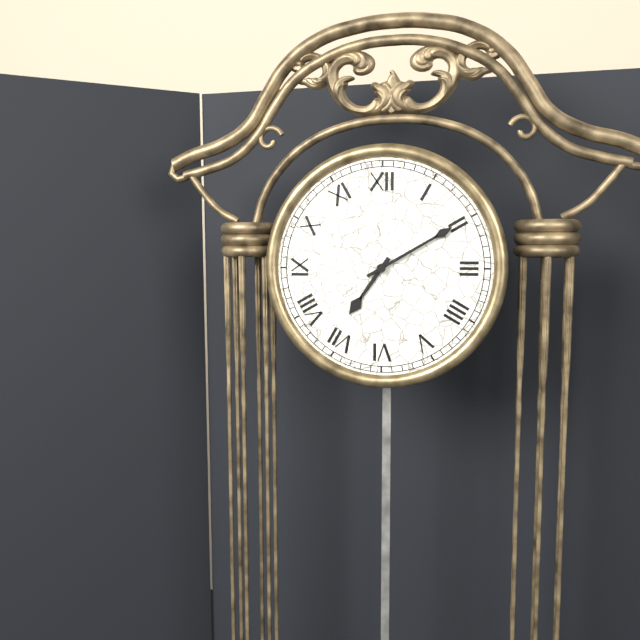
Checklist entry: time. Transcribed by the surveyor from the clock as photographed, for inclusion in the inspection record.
7:10
